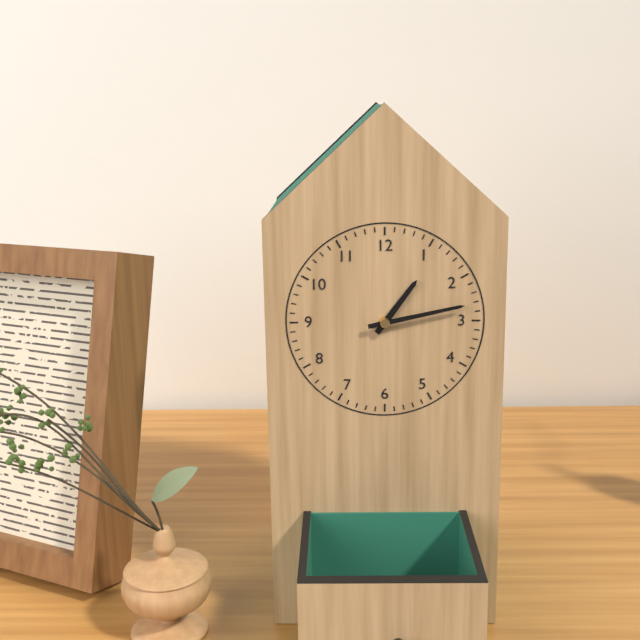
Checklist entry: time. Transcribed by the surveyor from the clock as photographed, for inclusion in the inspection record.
1:13
